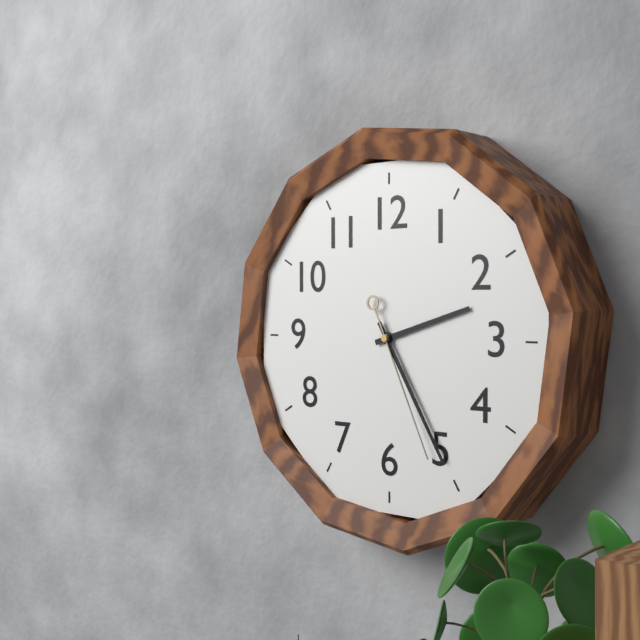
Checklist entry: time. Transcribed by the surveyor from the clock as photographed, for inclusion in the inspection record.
2:25:26
